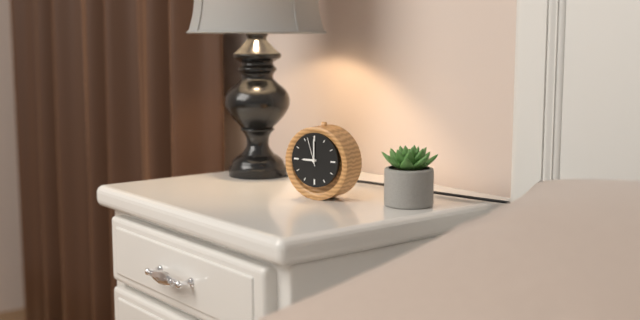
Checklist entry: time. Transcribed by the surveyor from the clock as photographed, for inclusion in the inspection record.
9:00
